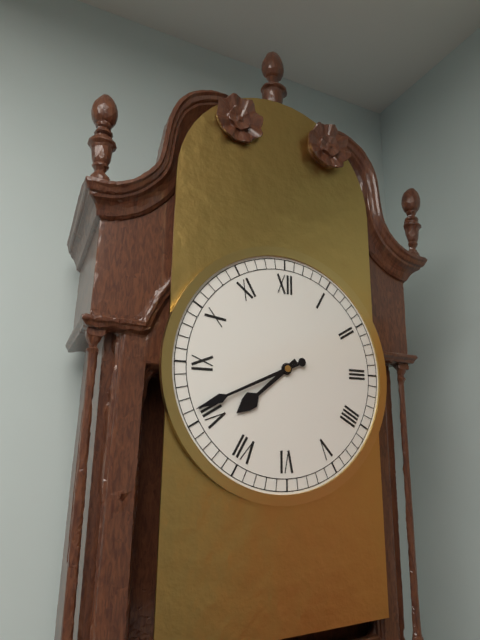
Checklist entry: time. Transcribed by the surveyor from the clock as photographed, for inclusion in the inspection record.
7:41
